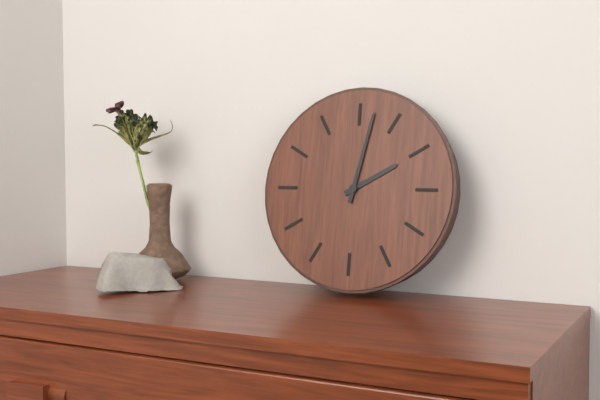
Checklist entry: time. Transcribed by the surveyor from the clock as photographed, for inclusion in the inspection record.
2:02
